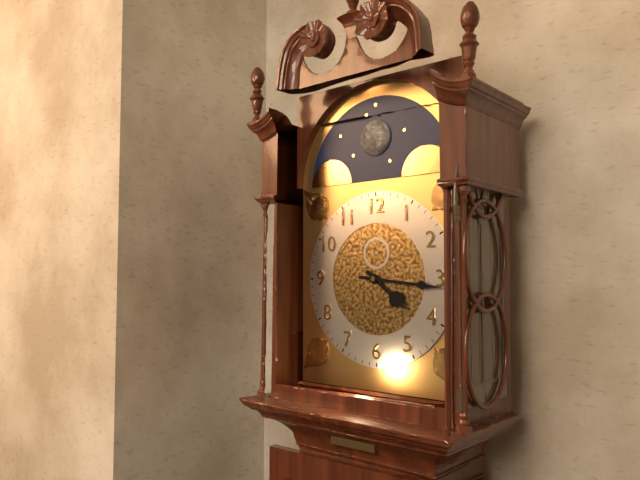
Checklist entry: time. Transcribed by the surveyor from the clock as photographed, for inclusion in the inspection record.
4:16
